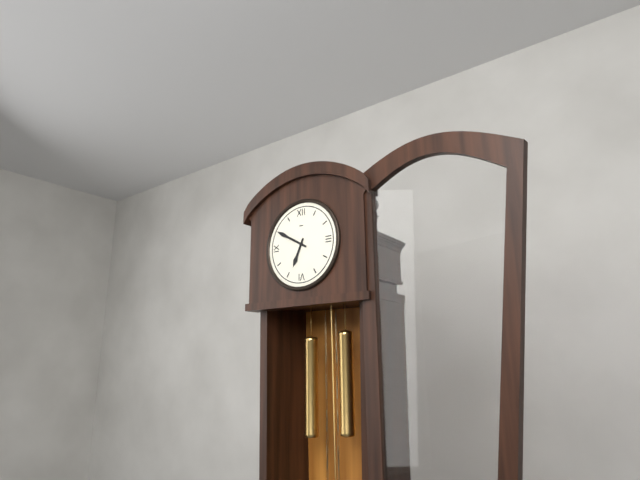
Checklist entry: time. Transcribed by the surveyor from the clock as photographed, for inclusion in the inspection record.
6:50
